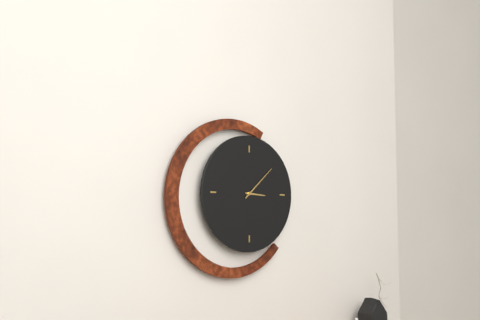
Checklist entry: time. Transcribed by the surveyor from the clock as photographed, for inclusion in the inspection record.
3:08
